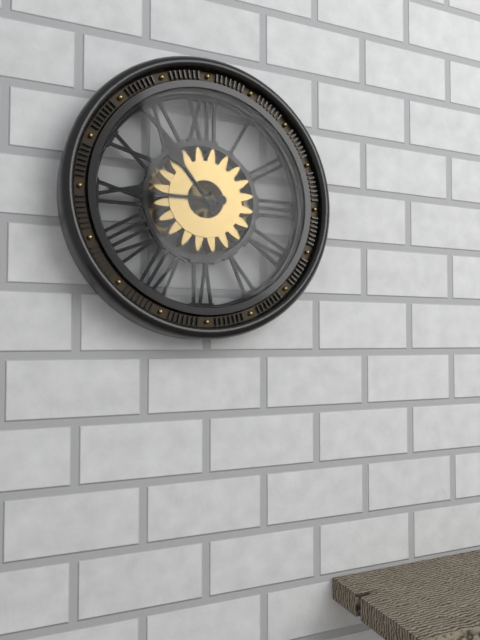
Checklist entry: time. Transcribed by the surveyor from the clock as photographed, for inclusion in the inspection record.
10:45
